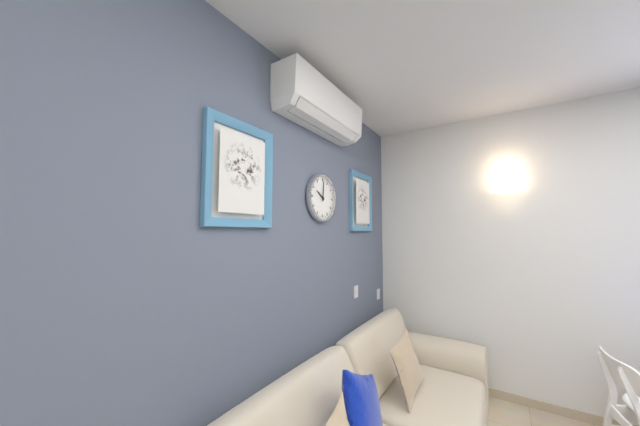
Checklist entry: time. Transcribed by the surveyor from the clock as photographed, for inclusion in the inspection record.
10:01
